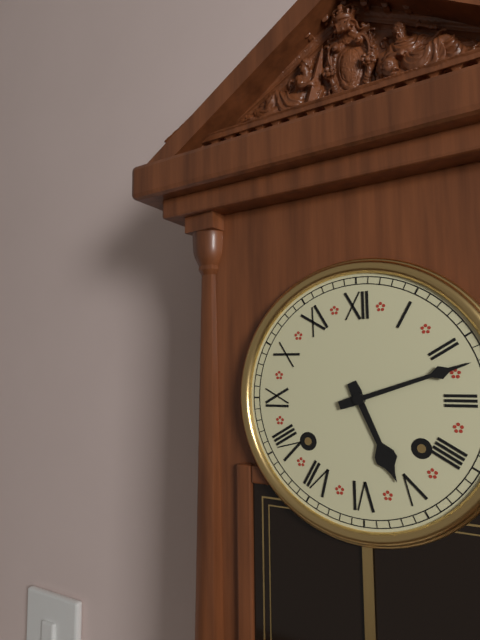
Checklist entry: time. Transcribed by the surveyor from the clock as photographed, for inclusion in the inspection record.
5:12
